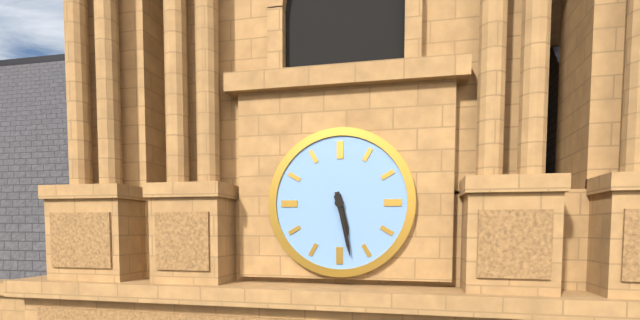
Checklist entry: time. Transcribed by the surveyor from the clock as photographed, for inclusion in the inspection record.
5:28
